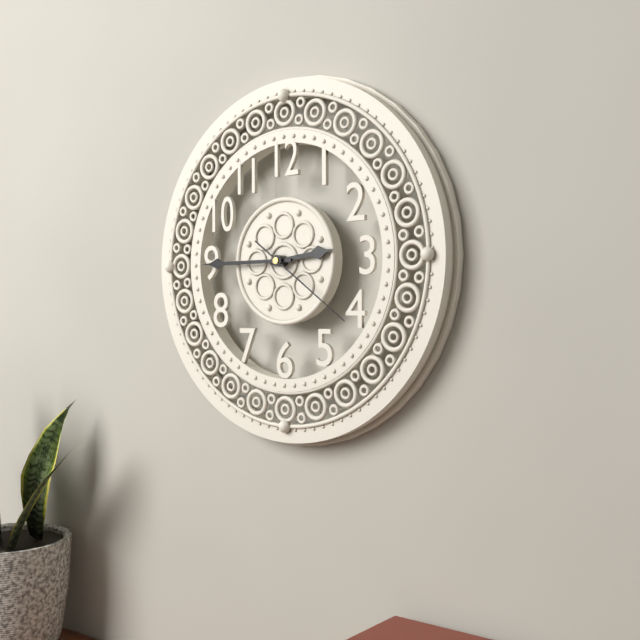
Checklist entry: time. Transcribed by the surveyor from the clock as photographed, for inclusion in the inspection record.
2:45:21
